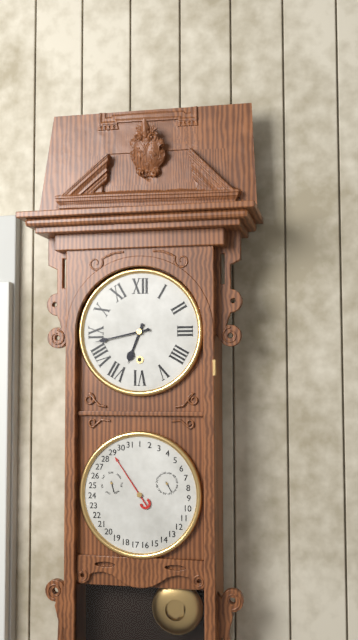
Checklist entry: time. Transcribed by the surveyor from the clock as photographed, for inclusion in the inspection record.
6:43
